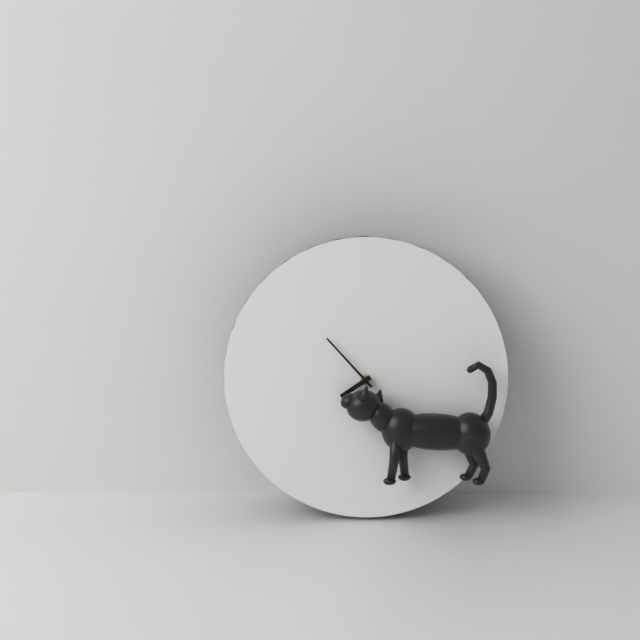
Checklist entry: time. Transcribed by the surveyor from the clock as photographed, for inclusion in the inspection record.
7:53
